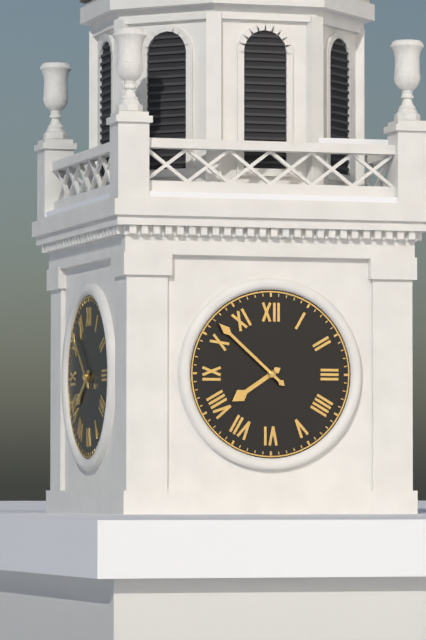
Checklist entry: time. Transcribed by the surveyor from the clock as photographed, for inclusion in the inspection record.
7:52
